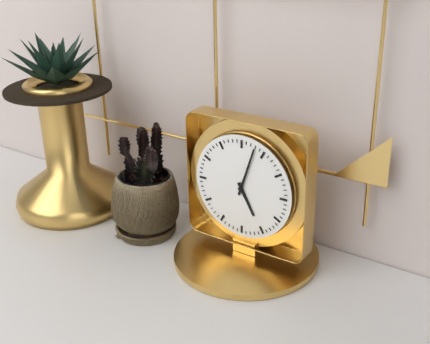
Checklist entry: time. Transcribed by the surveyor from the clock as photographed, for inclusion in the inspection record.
5:03
